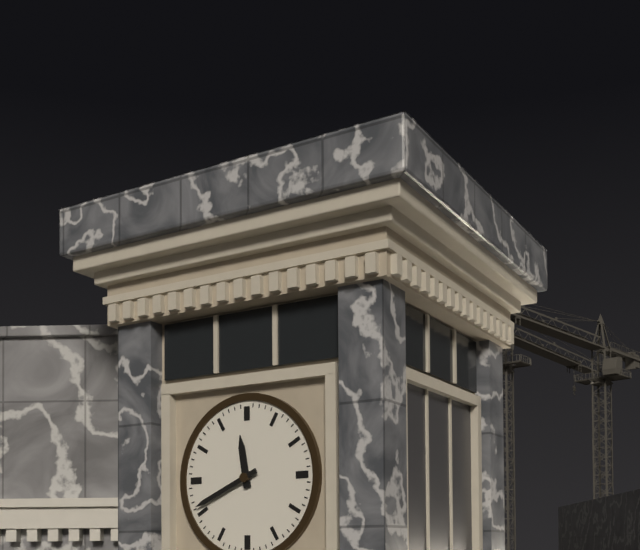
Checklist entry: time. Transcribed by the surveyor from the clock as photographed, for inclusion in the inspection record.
11:41
